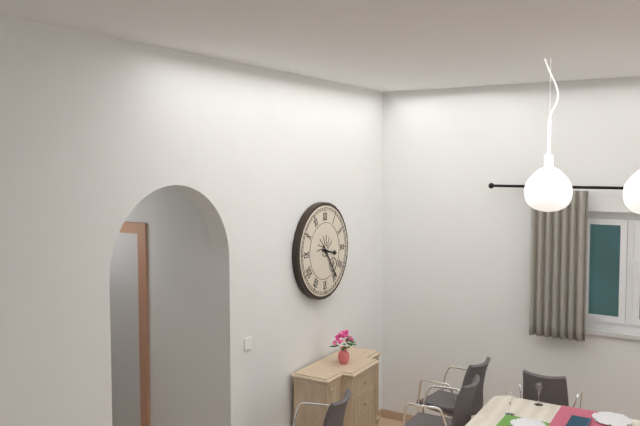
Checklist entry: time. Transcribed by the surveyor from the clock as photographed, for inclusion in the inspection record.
3:24
